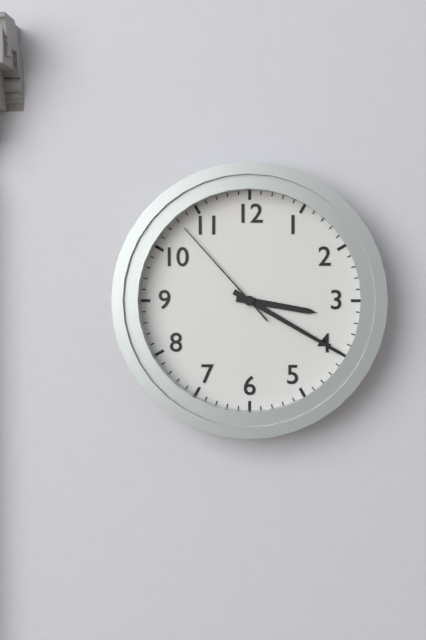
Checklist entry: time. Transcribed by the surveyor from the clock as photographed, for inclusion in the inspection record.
3:20:53
